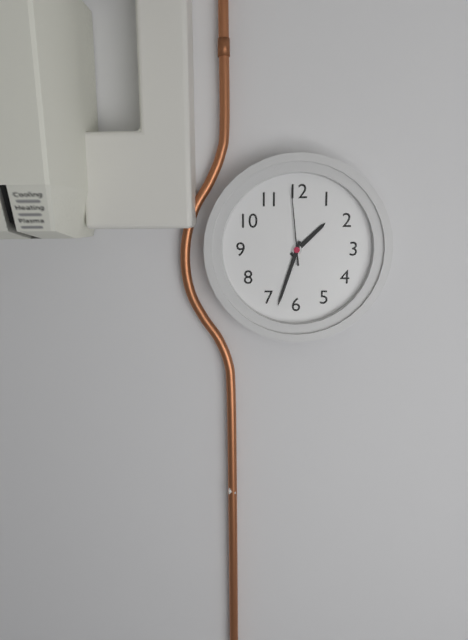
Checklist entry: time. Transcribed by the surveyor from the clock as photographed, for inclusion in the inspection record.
1:33:59
